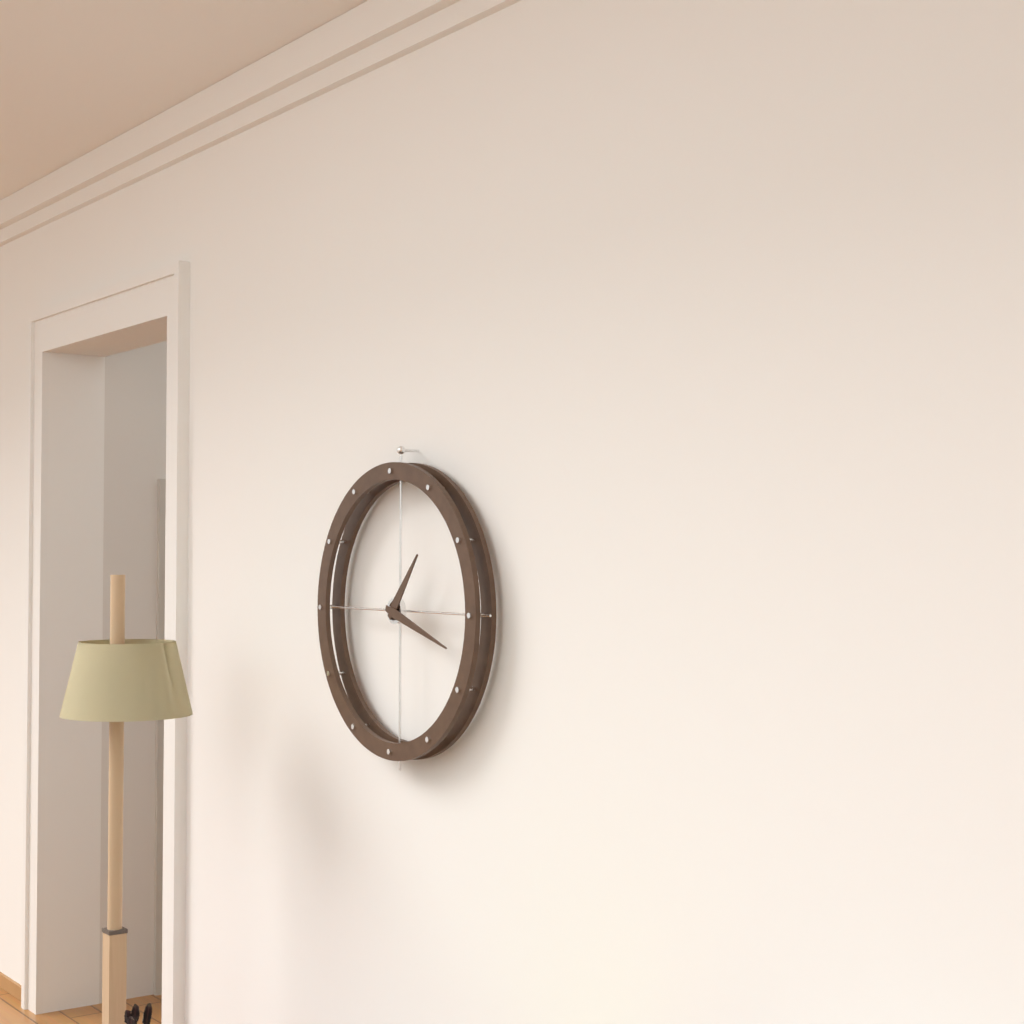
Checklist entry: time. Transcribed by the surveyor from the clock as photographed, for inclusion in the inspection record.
1:18
